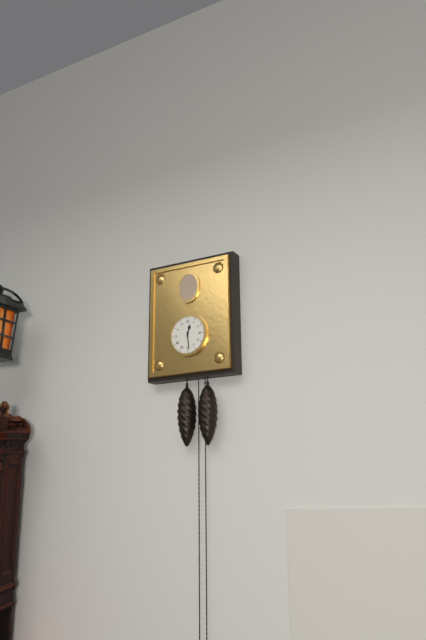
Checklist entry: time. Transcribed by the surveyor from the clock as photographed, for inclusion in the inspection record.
12:29
